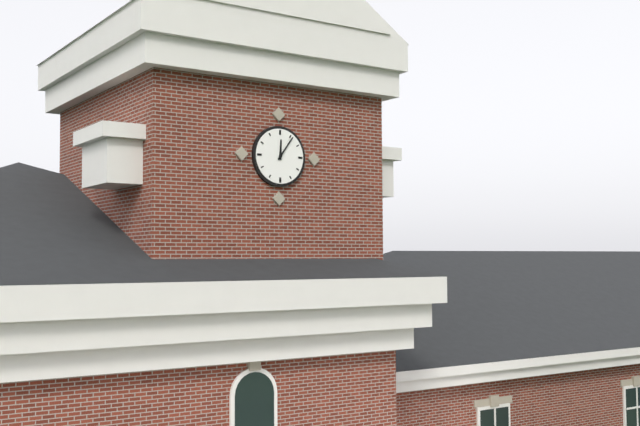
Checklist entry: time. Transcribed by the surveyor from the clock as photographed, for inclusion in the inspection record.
12:06
